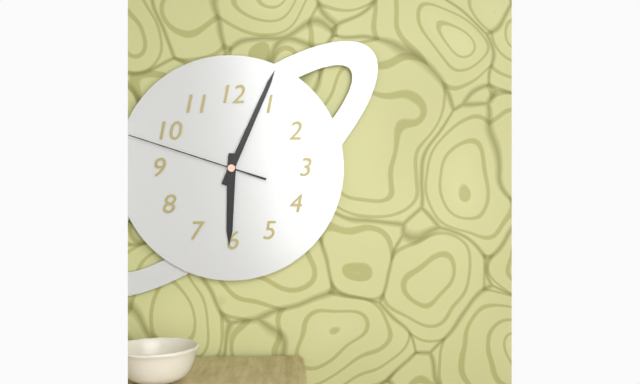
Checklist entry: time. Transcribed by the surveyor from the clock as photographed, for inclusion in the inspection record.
6:04:48
